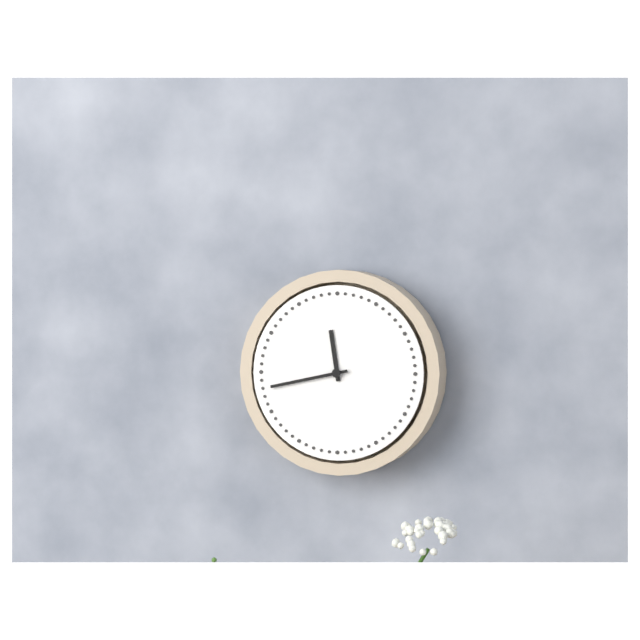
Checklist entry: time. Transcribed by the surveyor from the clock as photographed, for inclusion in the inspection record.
11:43
